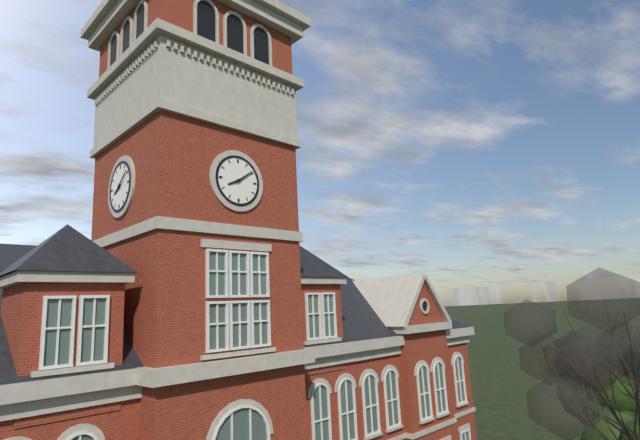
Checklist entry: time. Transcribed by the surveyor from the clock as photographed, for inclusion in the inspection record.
8:09
